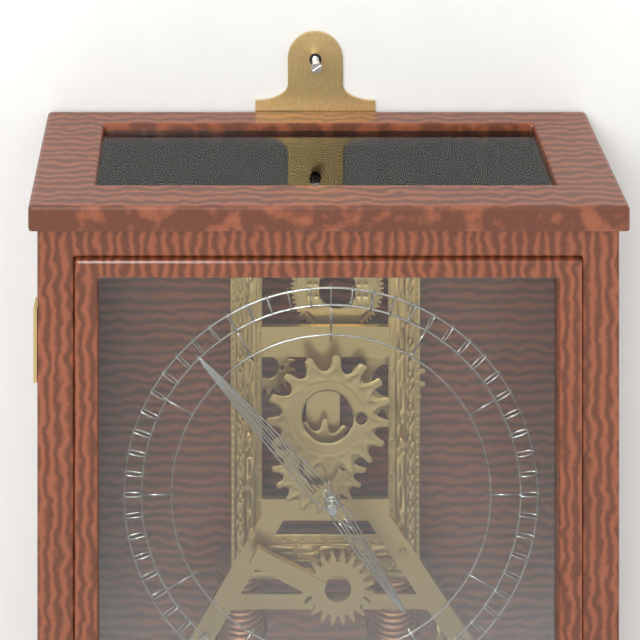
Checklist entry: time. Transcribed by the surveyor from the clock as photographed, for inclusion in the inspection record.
4:53
